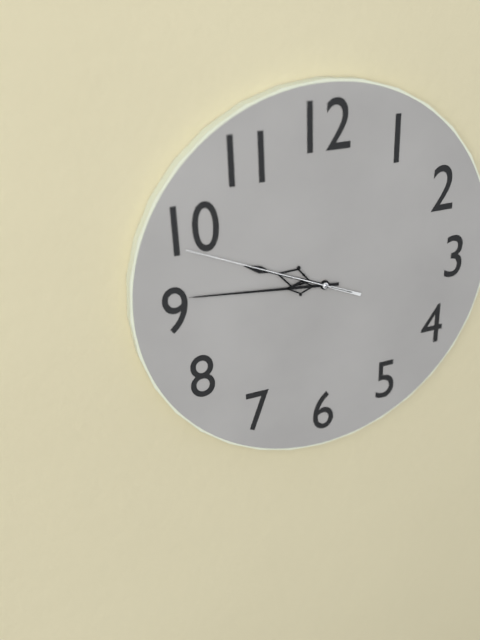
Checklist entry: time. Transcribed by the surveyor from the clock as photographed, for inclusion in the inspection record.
9:46:49
